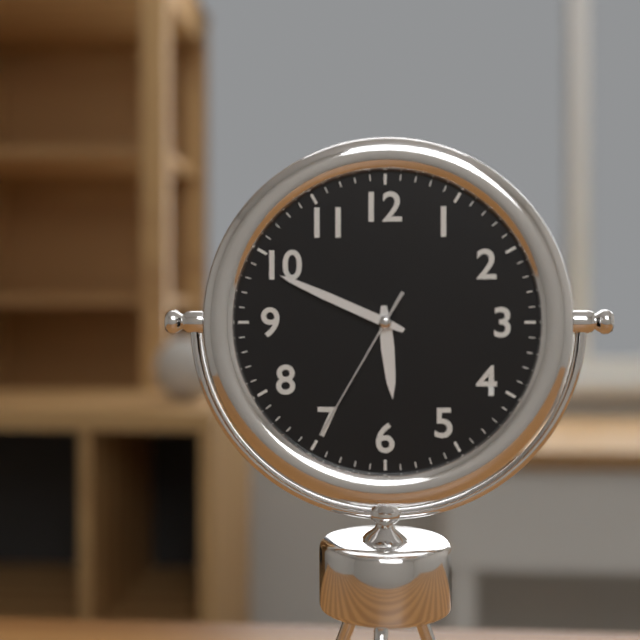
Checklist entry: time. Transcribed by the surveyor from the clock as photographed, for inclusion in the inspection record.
5:49:35
